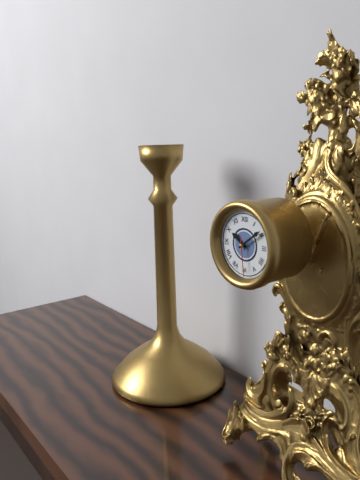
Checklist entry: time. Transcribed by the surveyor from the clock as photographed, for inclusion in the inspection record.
10:09
